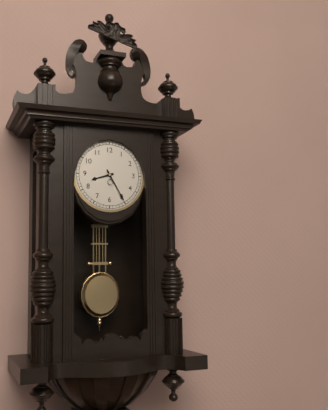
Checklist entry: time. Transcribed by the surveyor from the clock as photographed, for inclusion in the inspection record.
8:25
